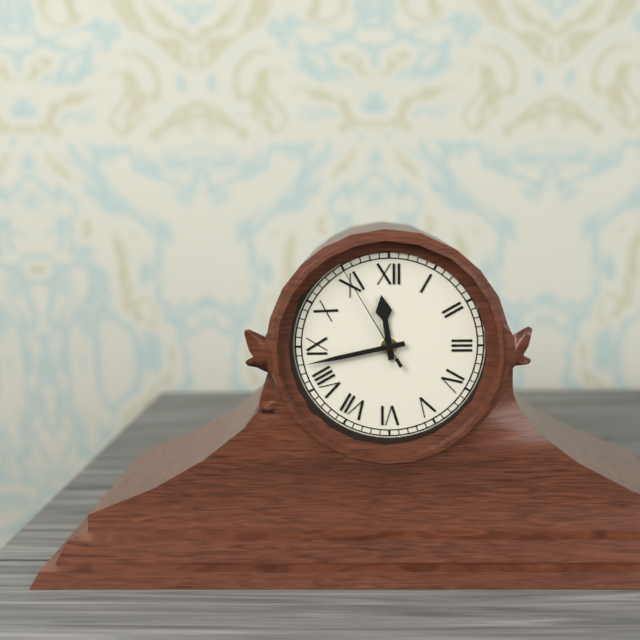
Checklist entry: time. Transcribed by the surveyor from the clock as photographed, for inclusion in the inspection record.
11:43:55
